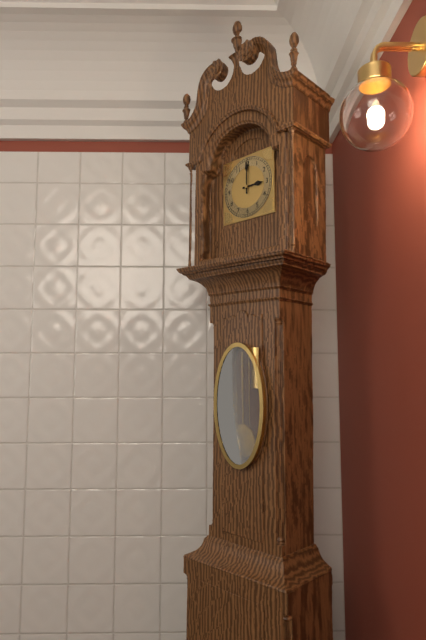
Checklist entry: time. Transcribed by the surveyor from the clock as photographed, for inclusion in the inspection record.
3:00
